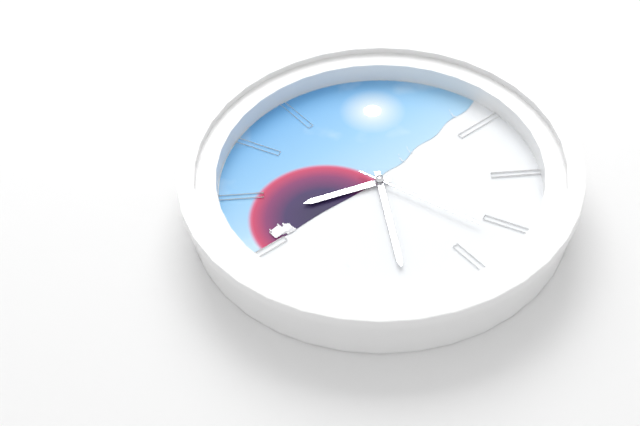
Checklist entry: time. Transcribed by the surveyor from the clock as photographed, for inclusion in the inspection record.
9:35:27
